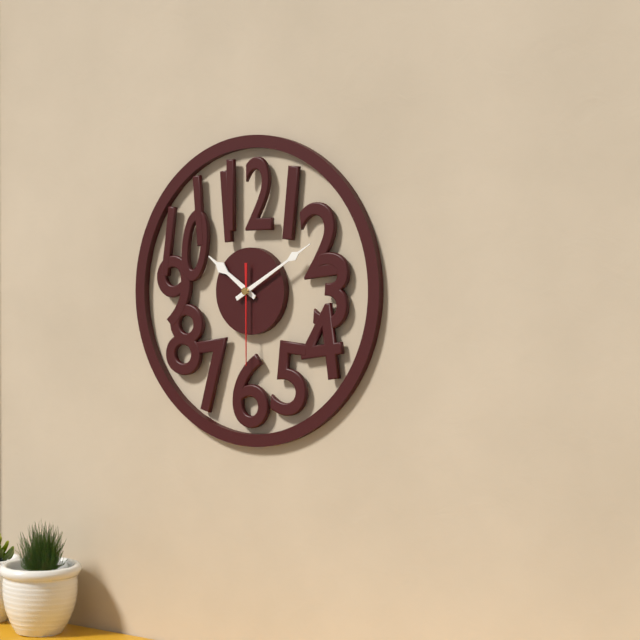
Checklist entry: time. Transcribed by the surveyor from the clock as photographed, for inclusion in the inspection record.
10:10:30
